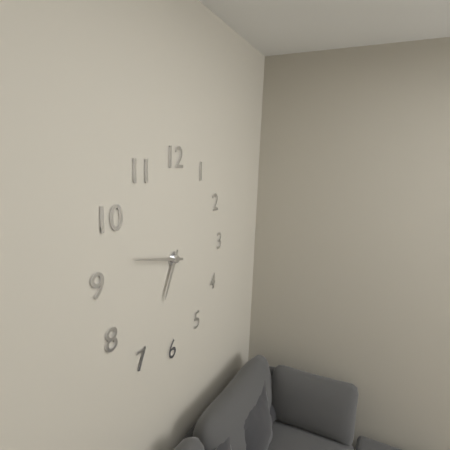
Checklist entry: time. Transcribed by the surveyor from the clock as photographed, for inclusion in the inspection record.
6:47
